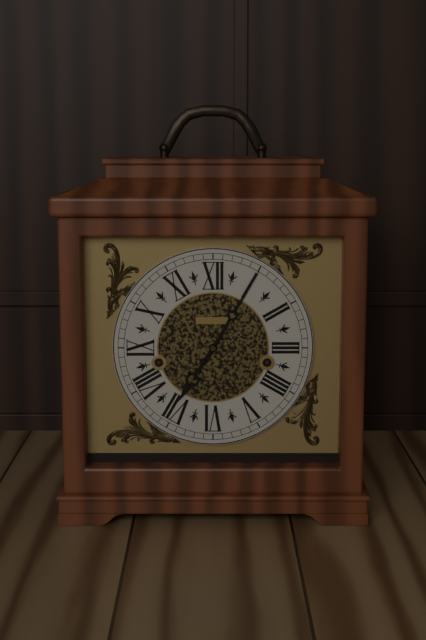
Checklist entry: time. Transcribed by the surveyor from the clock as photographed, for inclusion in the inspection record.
7:05
